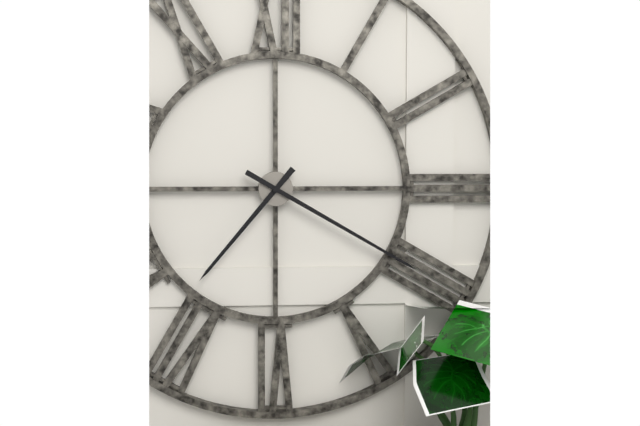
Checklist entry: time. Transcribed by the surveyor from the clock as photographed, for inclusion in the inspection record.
7:20
